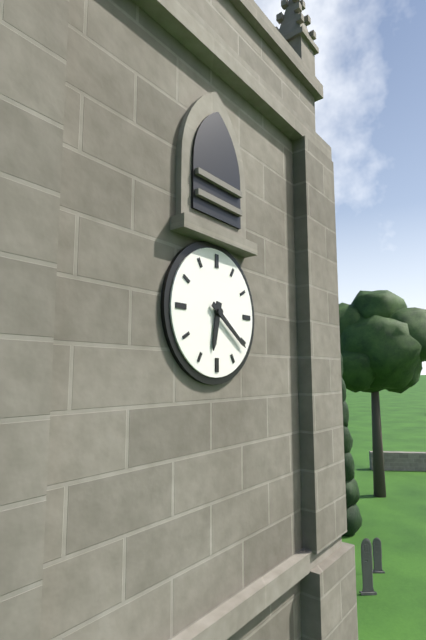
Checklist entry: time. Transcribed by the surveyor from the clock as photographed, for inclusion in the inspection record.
6:21
